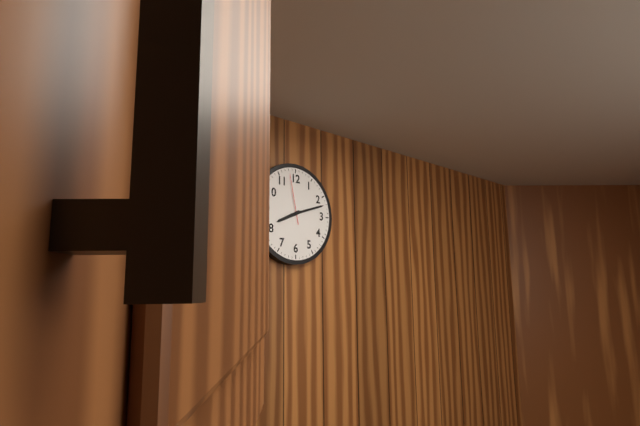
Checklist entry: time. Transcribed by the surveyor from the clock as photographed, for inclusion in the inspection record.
8:12:58
